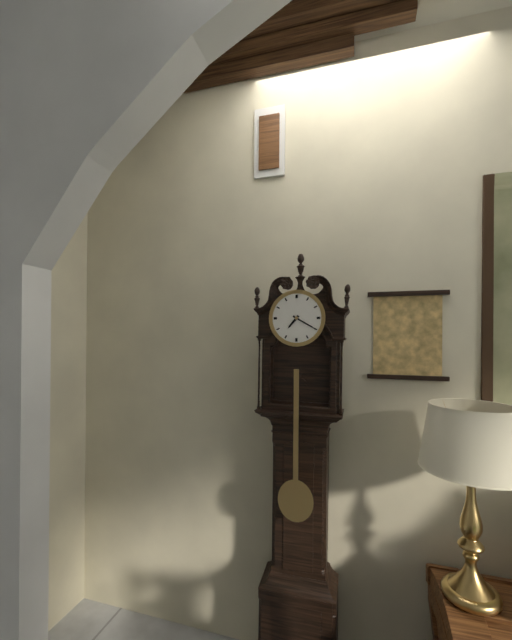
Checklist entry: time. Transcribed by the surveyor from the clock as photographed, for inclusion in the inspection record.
7:20
